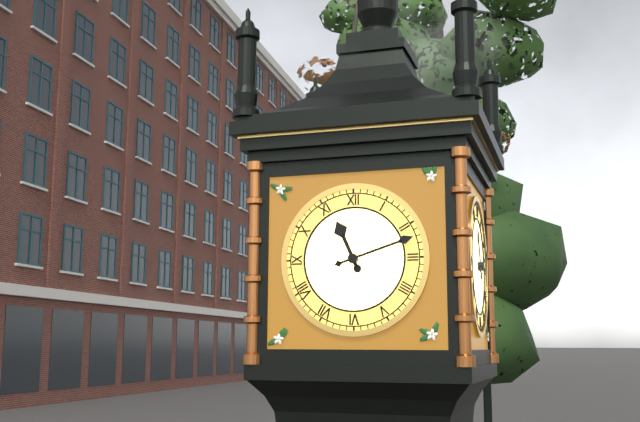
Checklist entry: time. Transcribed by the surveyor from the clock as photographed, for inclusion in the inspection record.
11:12
